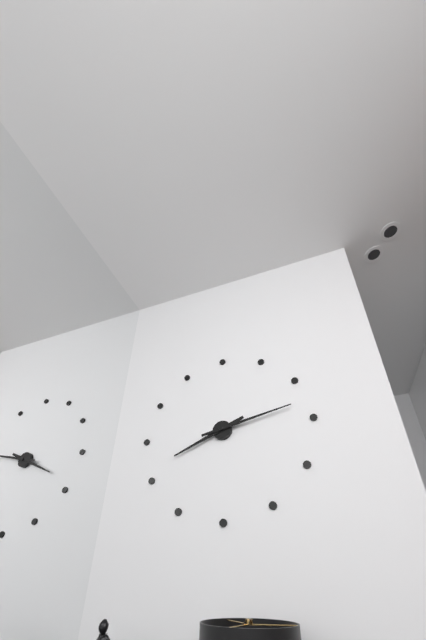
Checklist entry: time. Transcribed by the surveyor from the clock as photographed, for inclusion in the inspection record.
8:13
